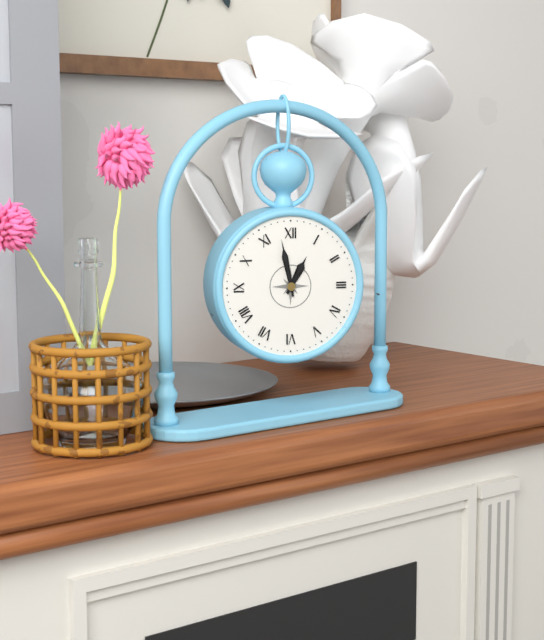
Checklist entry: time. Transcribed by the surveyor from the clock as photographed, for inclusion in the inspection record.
12:58
